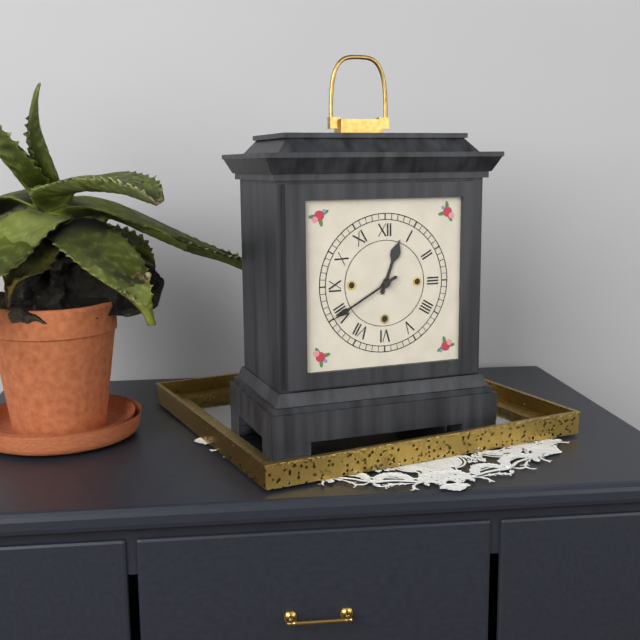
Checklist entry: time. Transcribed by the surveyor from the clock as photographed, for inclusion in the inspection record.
12:40
